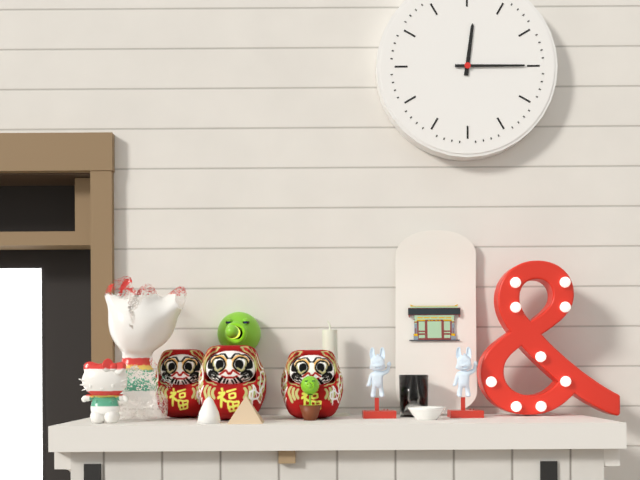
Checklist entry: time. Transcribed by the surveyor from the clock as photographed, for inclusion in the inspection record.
12:15
